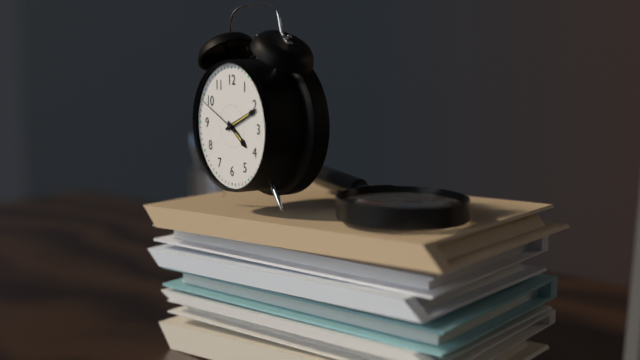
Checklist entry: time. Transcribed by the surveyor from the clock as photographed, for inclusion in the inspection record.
4:11
